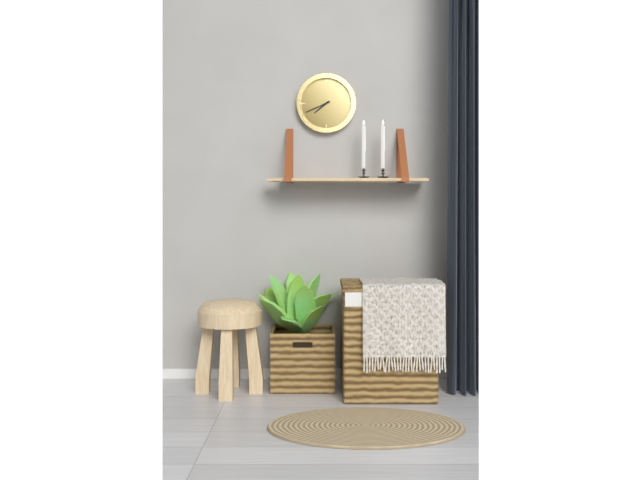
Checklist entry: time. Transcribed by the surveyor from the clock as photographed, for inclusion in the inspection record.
7:41
